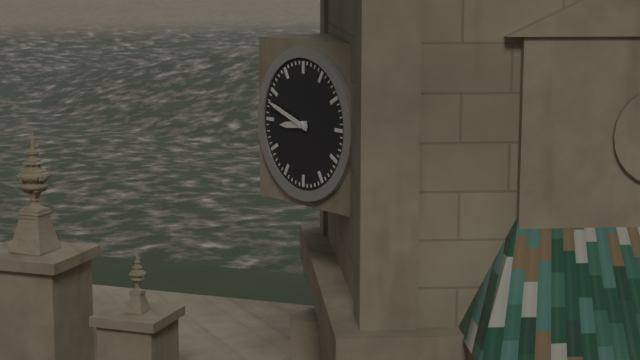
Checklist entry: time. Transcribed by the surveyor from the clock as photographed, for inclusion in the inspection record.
8:48
